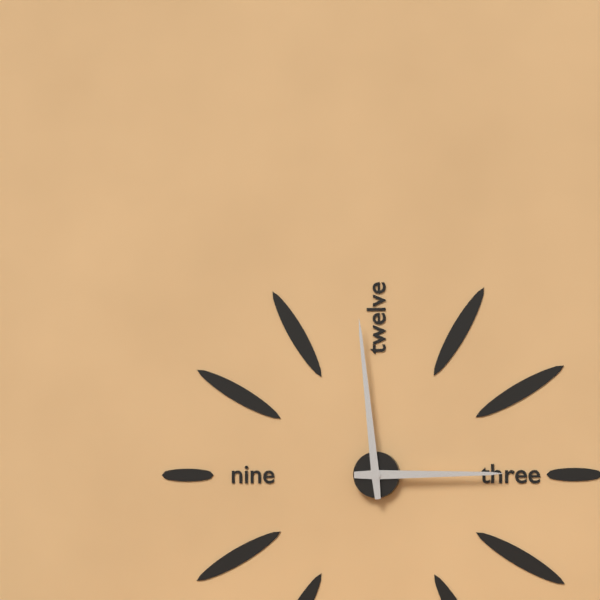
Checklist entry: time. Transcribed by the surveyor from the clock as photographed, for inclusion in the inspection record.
2:59
